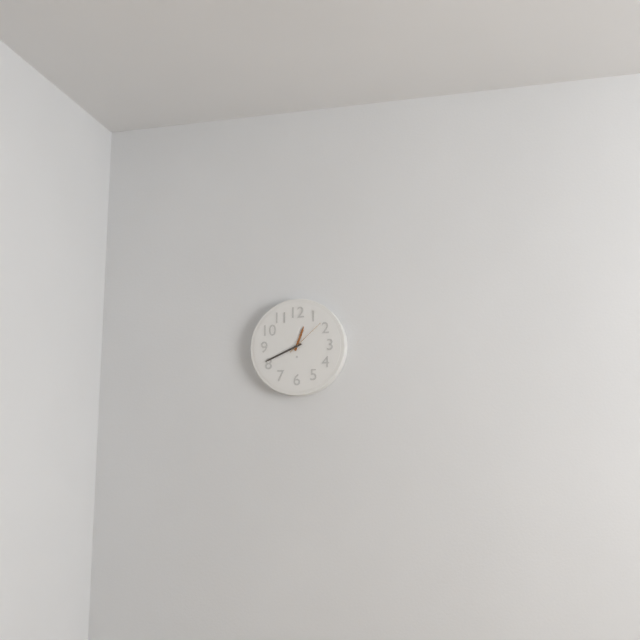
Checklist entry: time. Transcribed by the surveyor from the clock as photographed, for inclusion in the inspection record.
12:41
